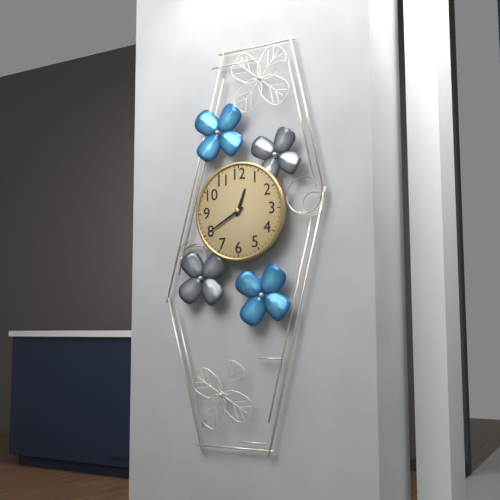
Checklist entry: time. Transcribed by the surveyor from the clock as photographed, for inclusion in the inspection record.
12:40
